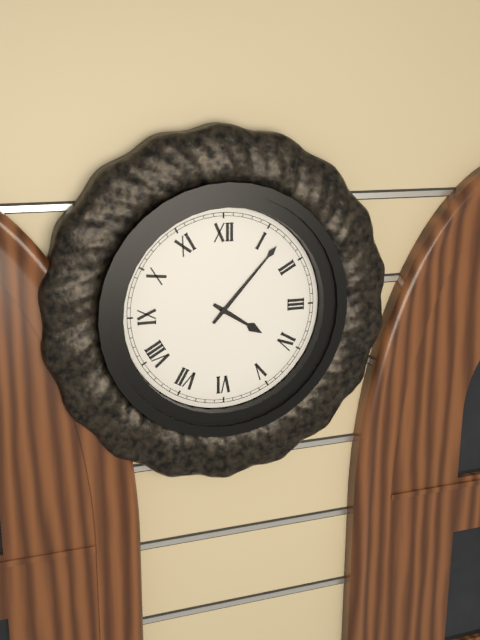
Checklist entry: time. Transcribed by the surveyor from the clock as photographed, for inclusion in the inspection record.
4:07
